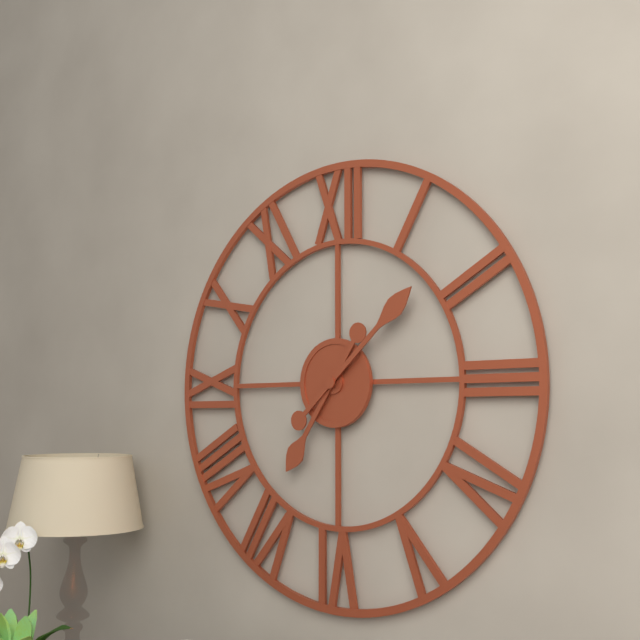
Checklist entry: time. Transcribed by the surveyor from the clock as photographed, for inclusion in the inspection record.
7:08
